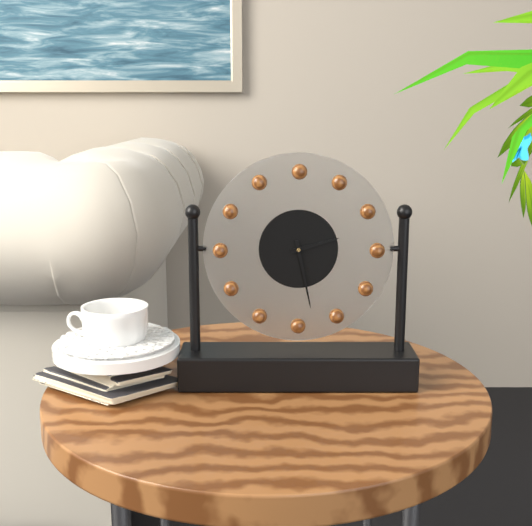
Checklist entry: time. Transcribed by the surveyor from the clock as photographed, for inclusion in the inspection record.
2:28
